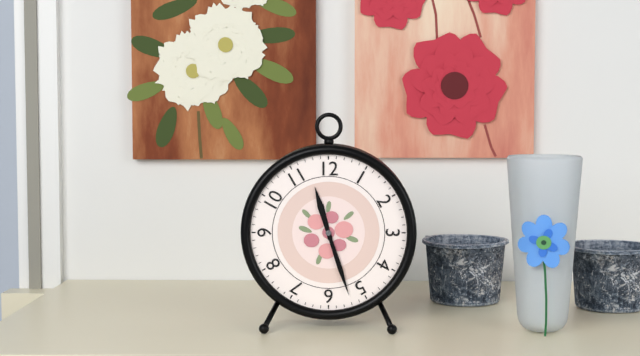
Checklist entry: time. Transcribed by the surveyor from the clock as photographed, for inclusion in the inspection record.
11:27
